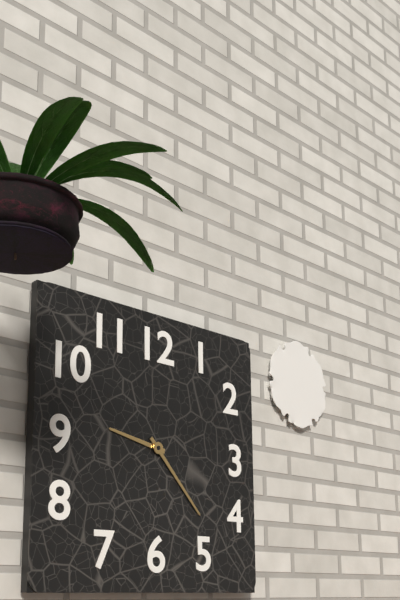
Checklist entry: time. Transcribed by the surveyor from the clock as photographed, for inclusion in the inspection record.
9:23
